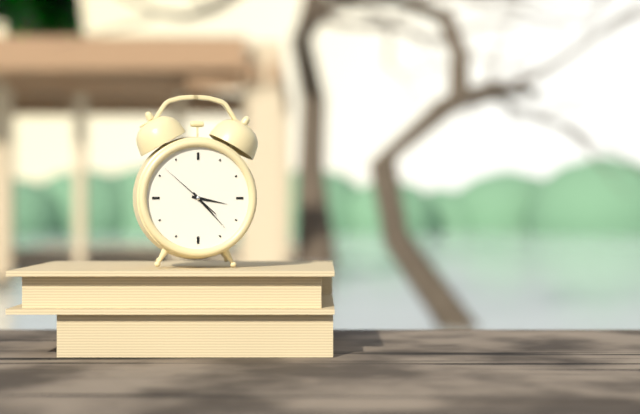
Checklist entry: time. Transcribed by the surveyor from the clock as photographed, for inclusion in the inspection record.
3:23:52
